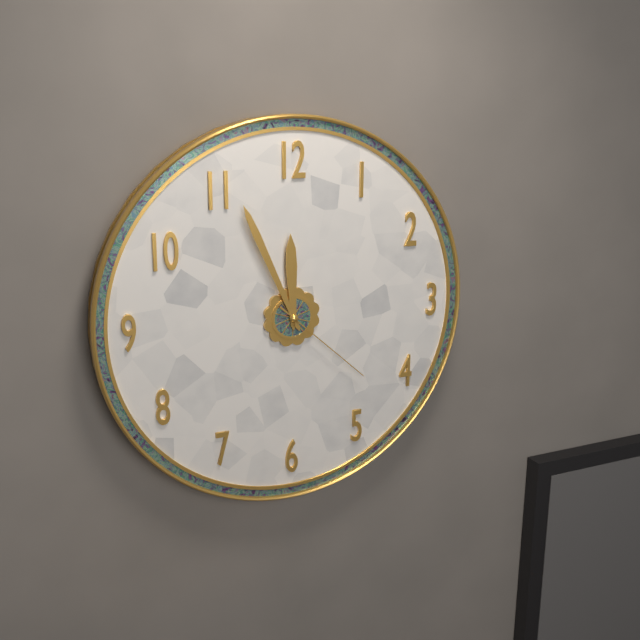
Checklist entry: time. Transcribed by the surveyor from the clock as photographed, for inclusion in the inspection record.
11:56:22
